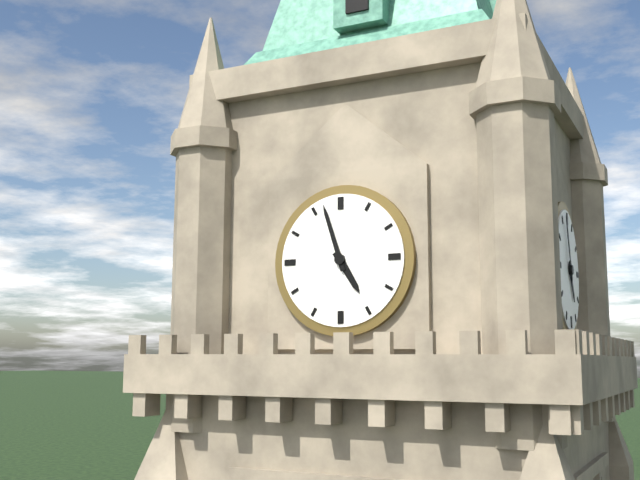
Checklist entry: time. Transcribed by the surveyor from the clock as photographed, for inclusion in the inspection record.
4:57
